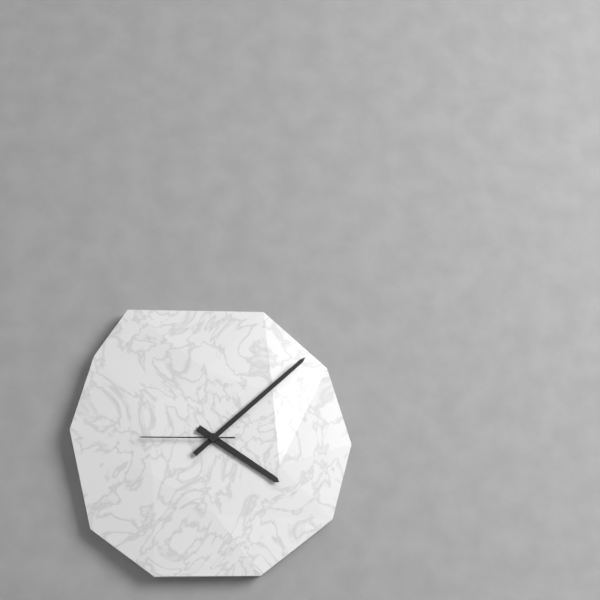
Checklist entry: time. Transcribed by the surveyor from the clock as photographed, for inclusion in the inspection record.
4:08:45
